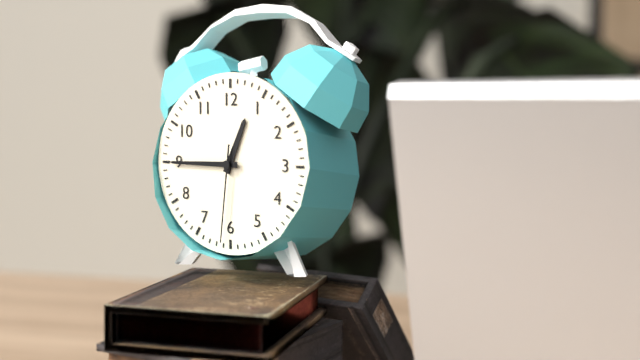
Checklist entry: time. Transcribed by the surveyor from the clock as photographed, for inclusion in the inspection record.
12:45:31
